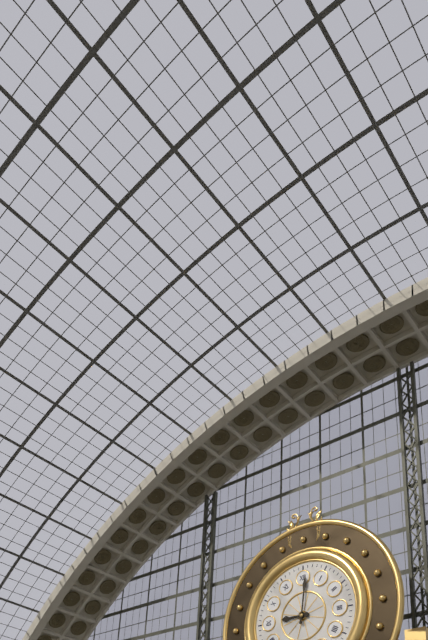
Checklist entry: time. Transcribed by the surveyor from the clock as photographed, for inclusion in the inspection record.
9:01
